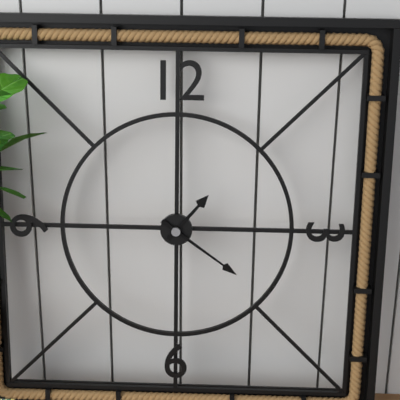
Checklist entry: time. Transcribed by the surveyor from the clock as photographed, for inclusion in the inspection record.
1:21
